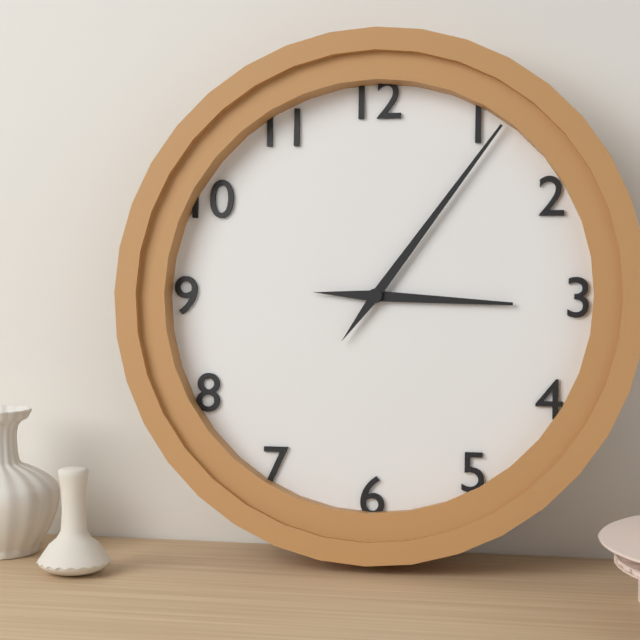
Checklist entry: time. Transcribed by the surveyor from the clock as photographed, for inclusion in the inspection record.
3:06
